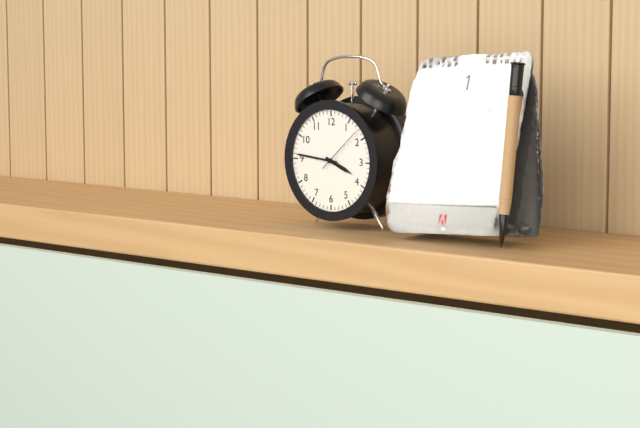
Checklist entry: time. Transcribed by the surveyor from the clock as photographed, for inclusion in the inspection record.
3:46:08
